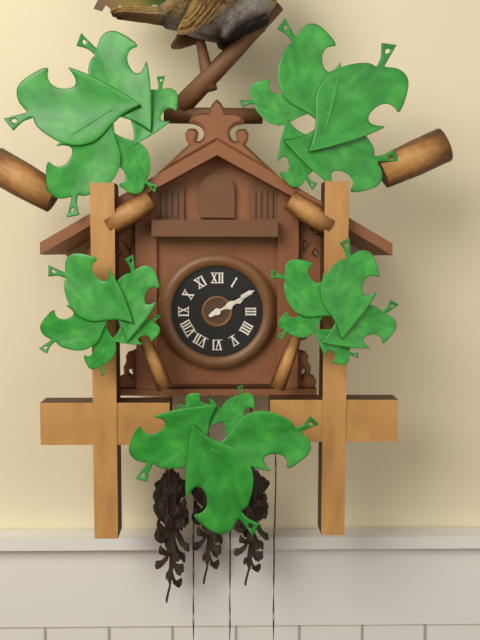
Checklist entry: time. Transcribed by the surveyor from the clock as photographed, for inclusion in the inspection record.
2:10
